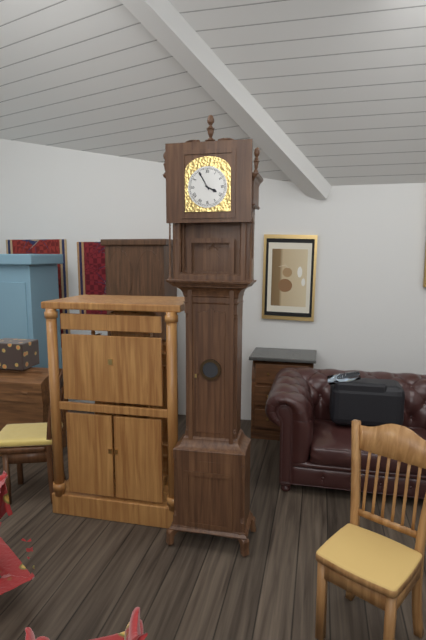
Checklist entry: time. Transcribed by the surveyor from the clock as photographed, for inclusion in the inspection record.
3:55
